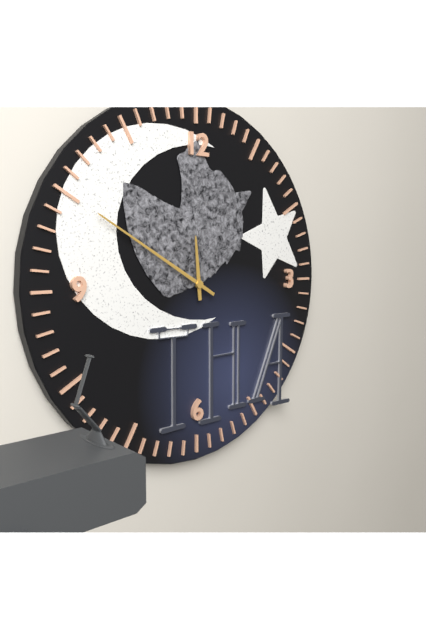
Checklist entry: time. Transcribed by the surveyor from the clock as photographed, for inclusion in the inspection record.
11:50
